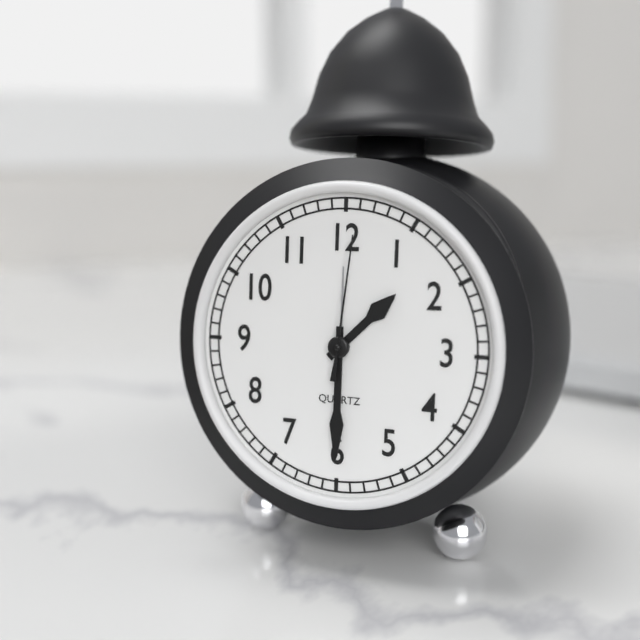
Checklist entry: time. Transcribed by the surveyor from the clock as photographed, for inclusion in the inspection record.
1:30:01
